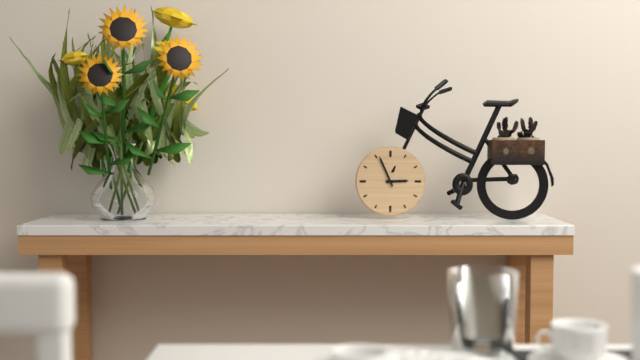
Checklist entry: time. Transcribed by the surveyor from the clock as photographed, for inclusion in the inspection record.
2:56
